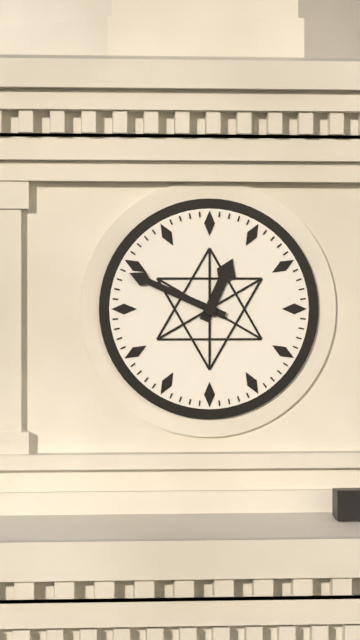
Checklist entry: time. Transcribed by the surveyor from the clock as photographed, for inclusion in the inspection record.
12:49
